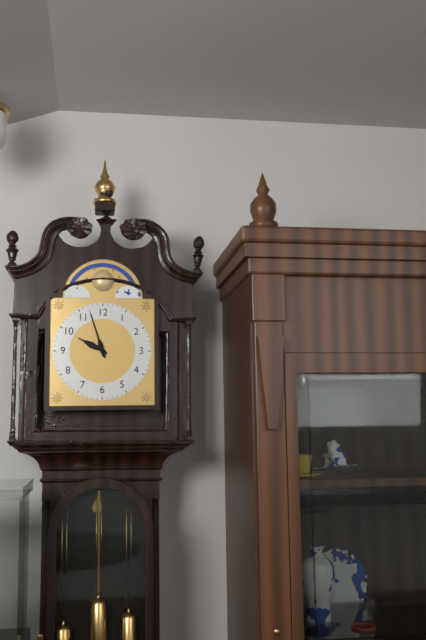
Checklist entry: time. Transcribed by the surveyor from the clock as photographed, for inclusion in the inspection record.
9:57
